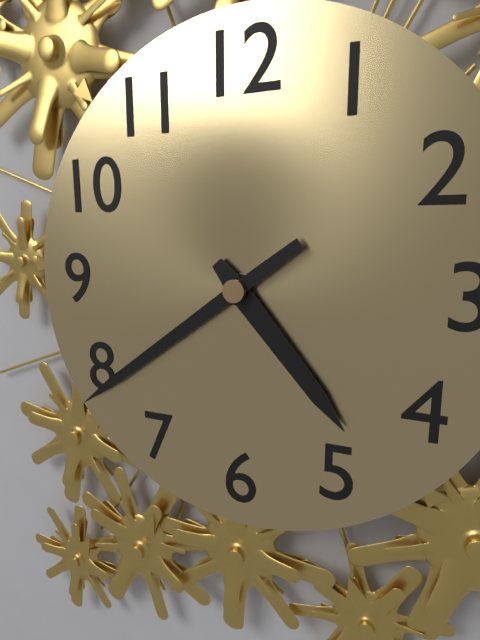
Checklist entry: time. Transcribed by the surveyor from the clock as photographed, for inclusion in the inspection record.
4:39
